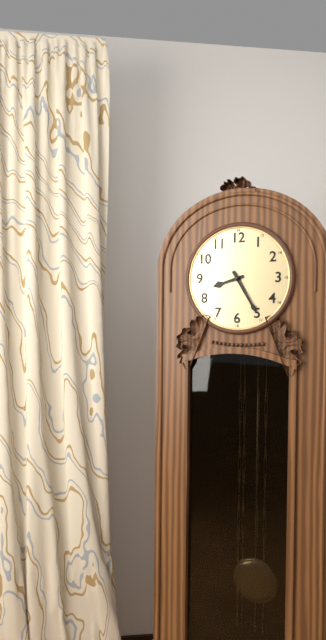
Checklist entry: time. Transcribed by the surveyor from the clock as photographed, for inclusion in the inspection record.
8:25
